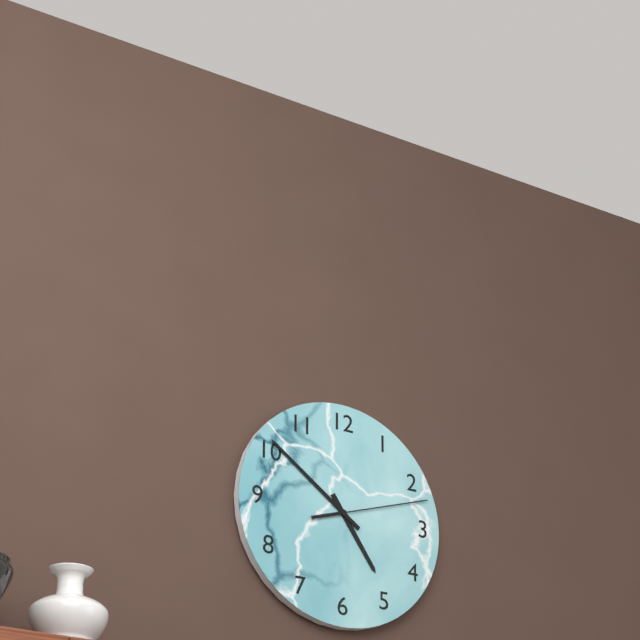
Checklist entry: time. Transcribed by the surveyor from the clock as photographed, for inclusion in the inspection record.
4:51:12
